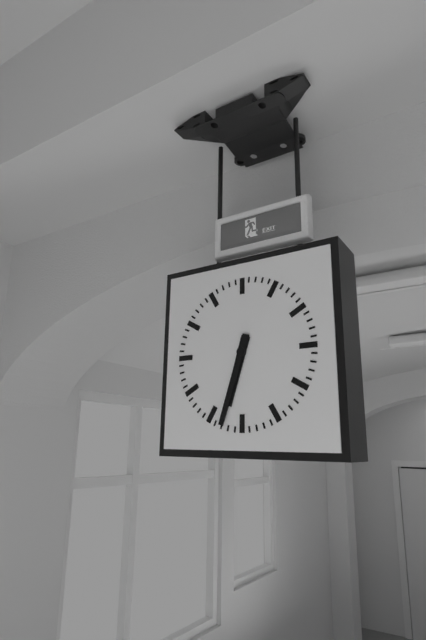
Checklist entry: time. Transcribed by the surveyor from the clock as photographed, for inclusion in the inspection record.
6:33
